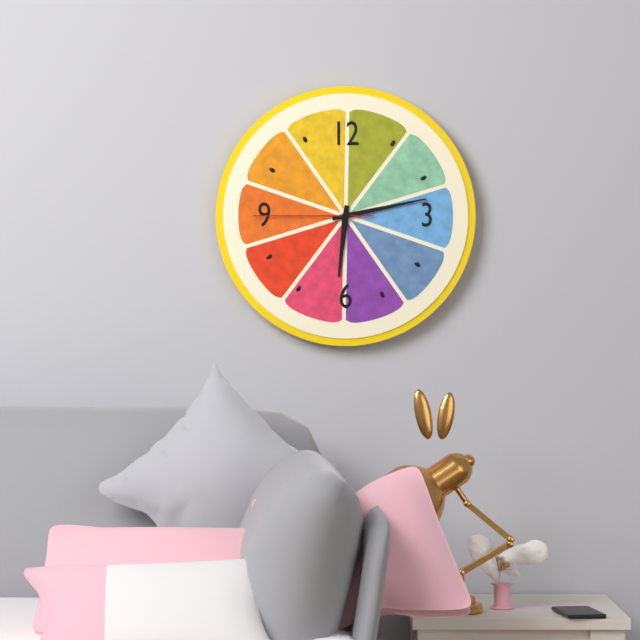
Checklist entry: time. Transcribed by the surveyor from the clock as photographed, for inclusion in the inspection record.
6:13:45
